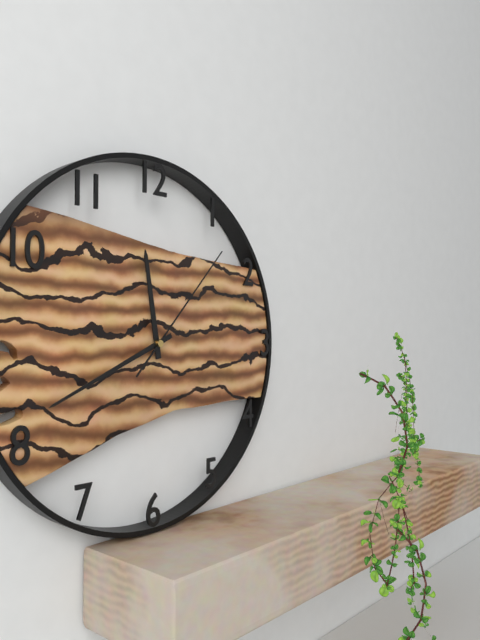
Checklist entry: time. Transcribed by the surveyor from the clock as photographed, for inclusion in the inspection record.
11:41:07
